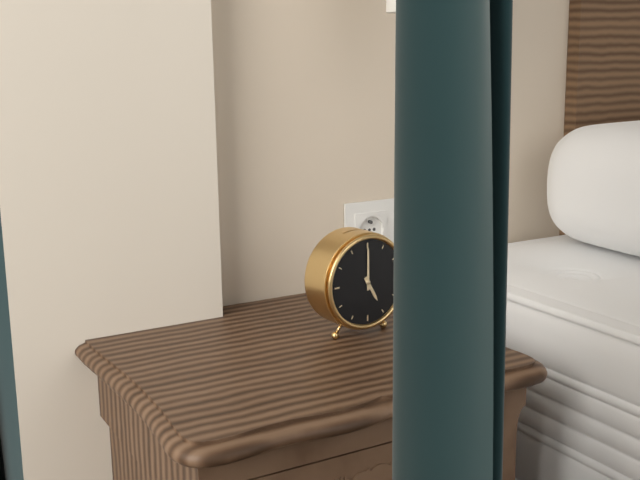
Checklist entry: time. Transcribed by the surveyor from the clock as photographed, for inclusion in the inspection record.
5:00
